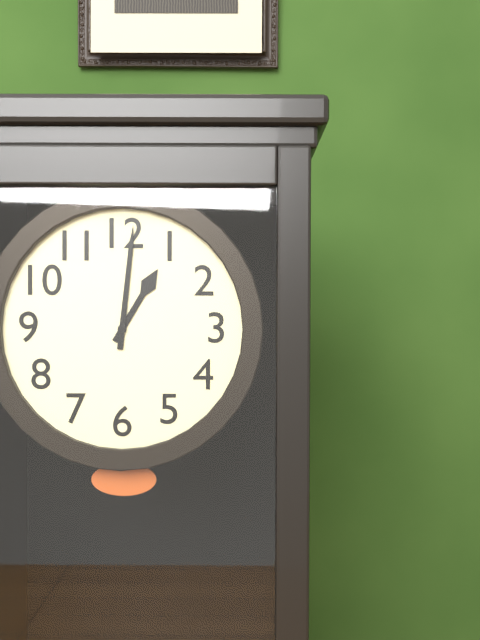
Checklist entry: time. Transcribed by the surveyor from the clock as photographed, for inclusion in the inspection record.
1:01
